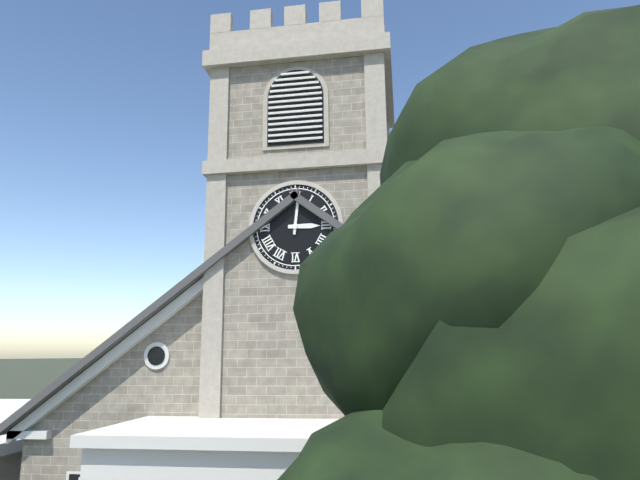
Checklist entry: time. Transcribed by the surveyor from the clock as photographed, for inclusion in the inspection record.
3:01
